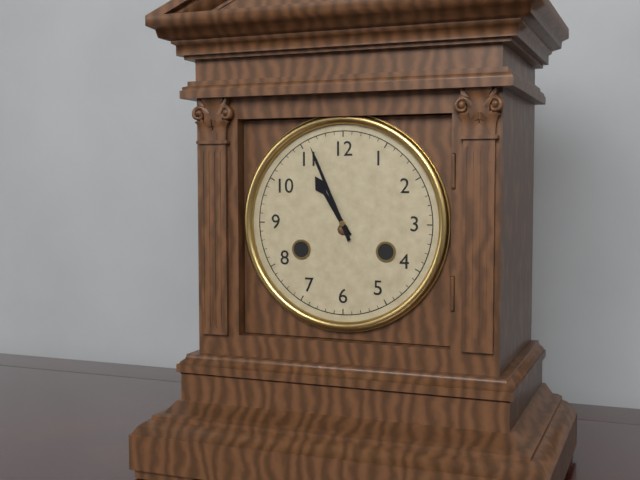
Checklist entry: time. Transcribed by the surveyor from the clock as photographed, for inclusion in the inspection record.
10:56
